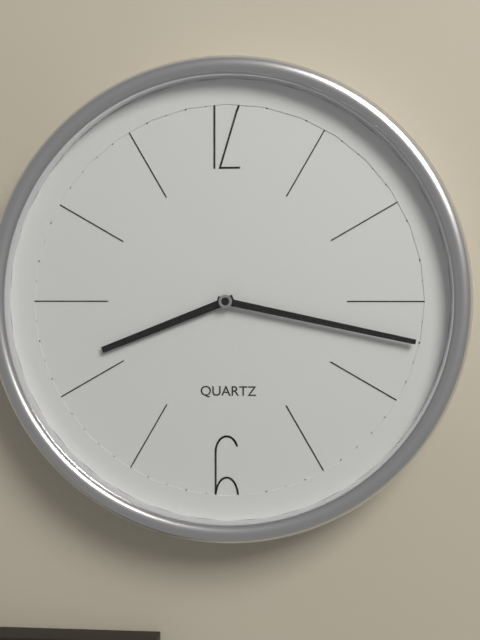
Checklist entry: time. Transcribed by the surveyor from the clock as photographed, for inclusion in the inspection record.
8:17
